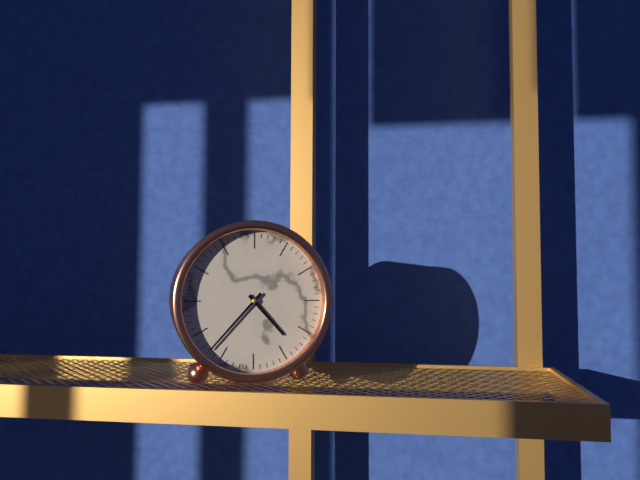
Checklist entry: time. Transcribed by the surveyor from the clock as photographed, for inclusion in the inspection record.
4:37
